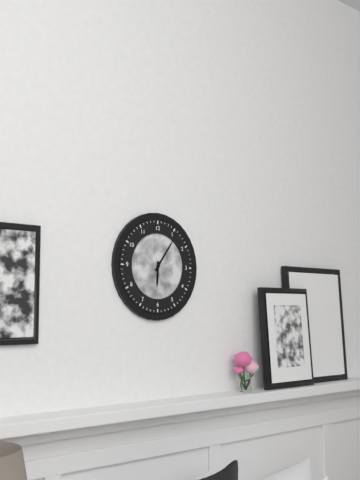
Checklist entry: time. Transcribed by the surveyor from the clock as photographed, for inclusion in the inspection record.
6:06
